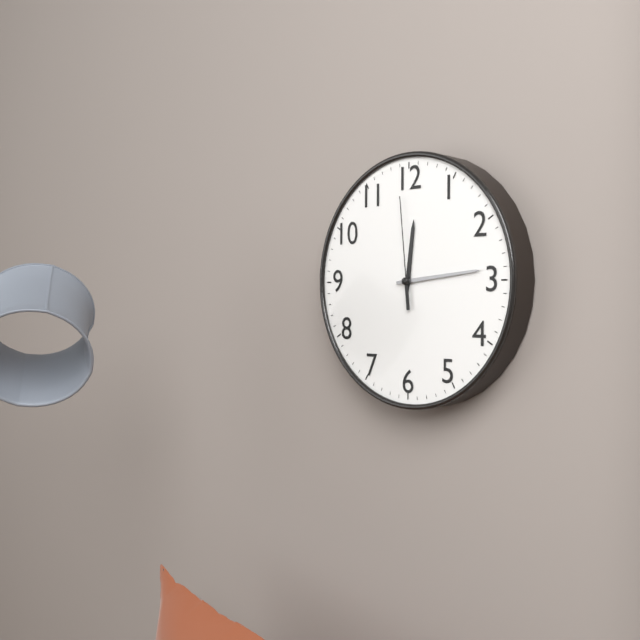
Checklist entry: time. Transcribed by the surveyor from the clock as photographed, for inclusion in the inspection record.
12:14:59
